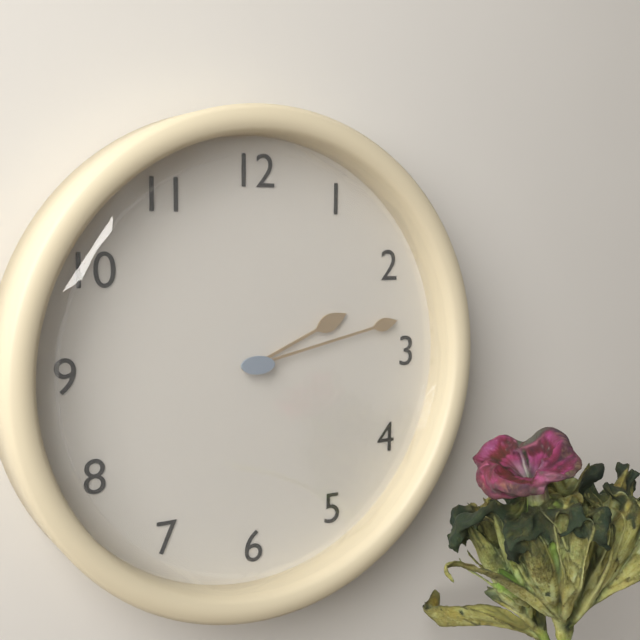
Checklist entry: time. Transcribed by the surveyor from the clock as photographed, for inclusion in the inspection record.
2:13
